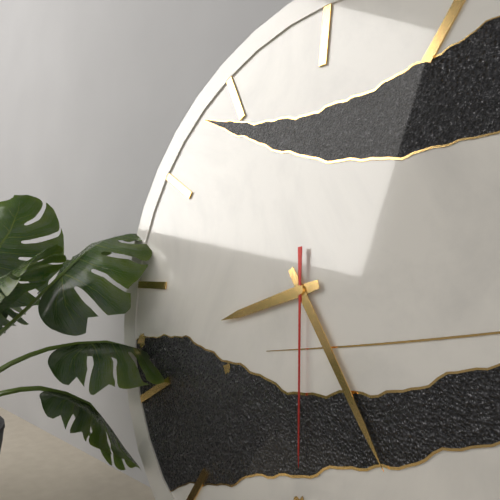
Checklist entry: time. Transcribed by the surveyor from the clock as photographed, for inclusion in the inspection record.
8:24:29
